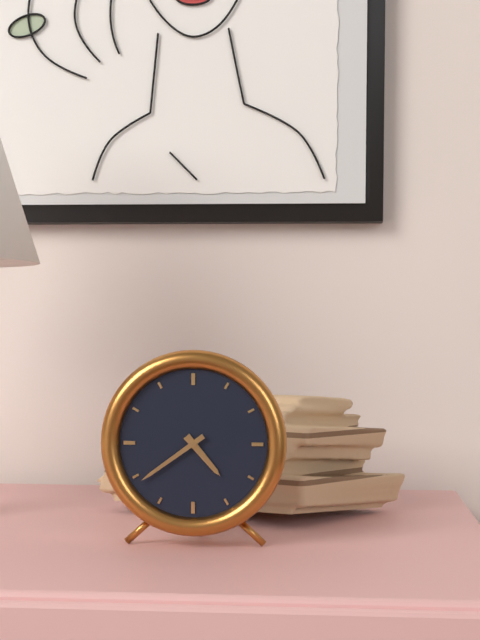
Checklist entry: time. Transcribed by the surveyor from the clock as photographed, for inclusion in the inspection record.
4:39
